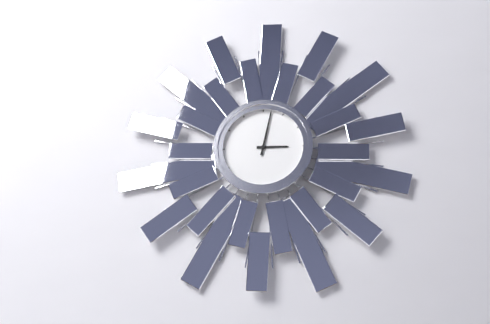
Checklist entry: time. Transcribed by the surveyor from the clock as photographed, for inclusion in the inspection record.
3:02
